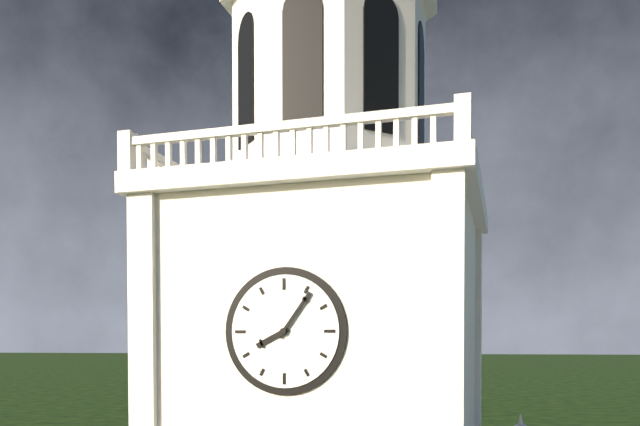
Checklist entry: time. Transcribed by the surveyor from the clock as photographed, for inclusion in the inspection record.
8:06
